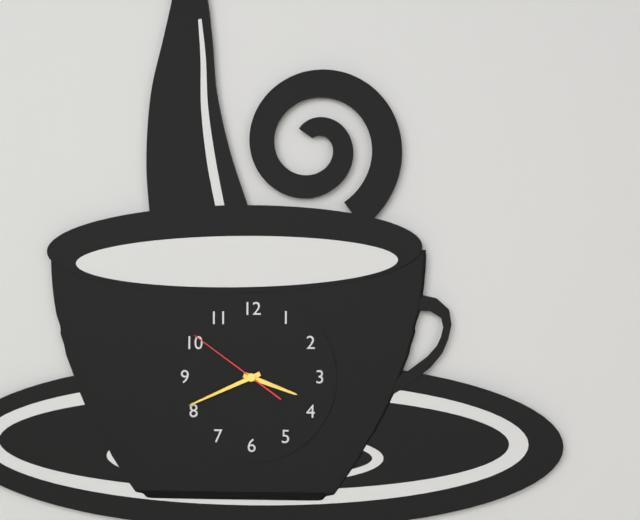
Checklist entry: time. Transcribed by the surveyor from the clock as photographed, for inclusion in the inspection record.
3:41:51
